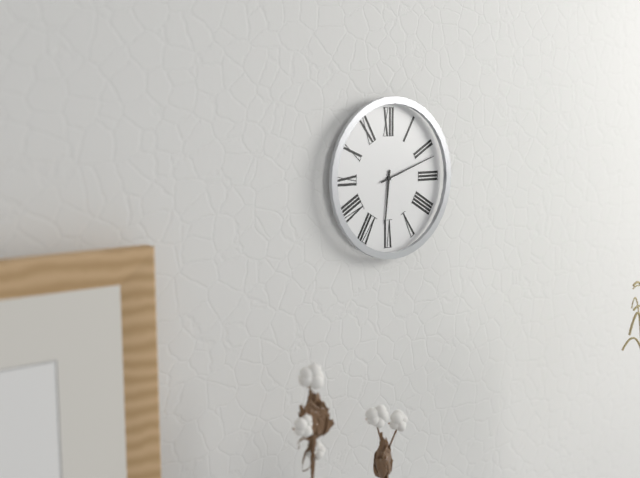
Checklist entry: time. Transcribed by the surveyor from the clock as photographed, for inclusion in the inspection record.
6:12
